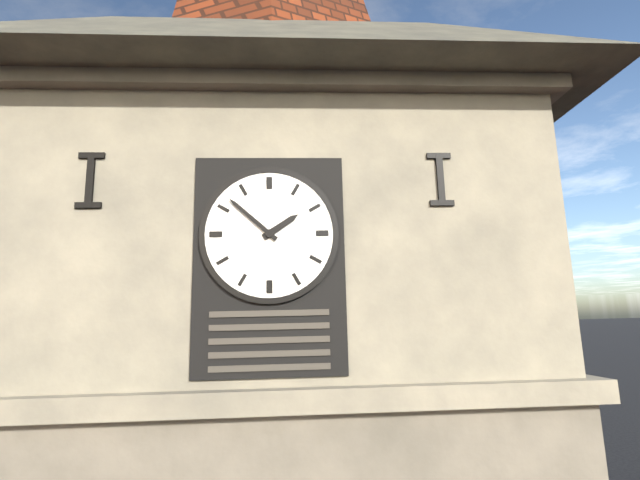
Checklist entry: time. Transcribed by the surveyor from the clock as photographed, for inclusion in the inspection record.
1:52
